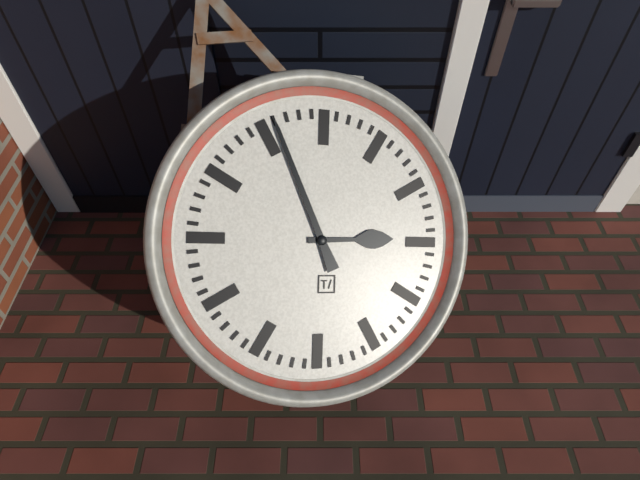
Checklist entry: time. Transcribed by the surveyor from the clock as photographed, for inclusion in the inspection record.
2:56
